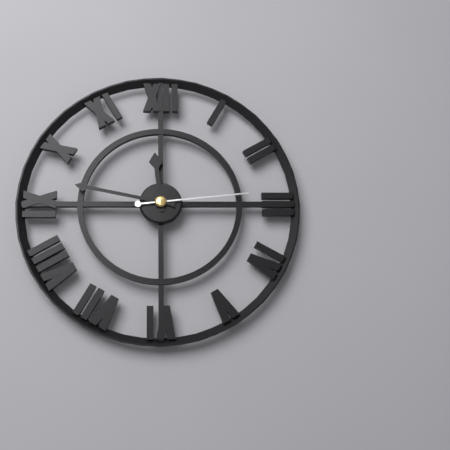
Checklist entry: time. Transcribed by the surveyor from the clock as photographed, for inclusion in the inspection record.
11:47:14
